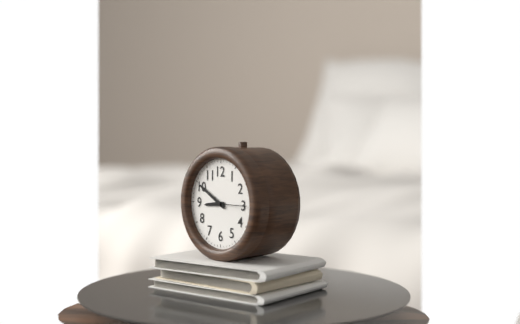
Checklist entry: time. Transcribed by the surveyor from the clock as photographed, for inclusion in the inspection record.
8:50
